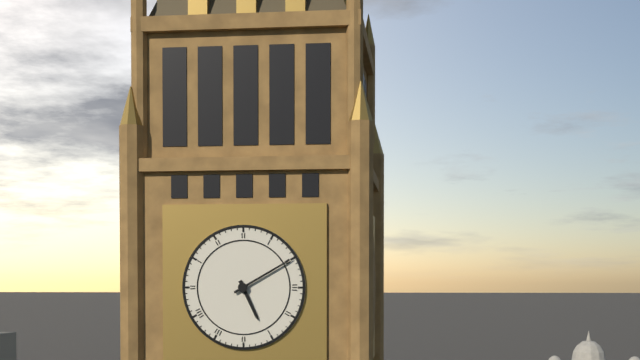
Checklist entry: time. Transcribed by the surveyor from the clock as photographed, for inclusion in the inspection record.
5:10
